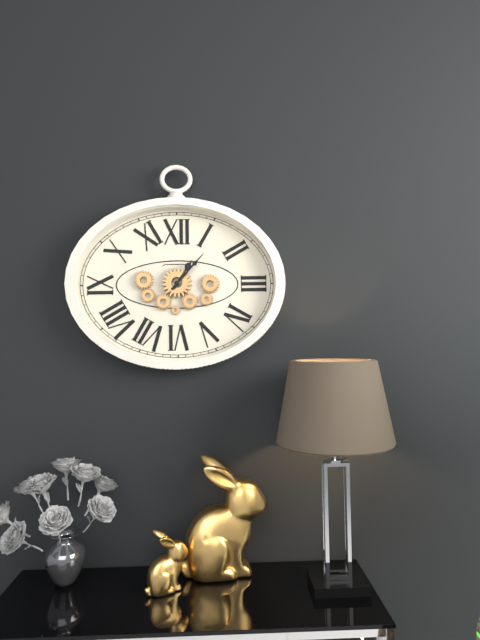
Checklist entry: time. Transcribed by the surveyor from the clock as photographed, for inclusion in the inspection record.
1:07
